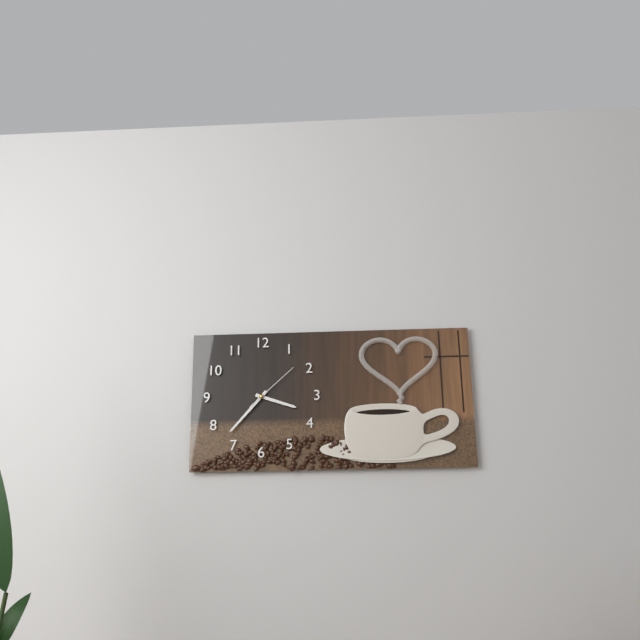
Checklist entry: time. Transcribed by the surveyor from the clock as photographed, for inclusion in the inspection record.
3:37:08
